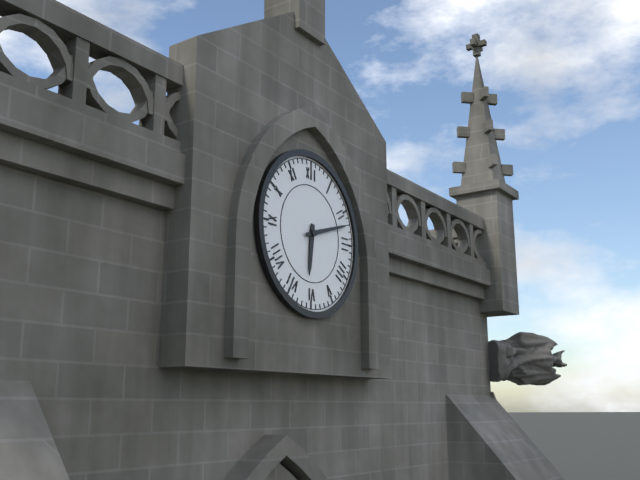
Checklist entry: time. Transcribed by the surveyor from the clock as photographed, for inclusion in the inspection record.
6:12
